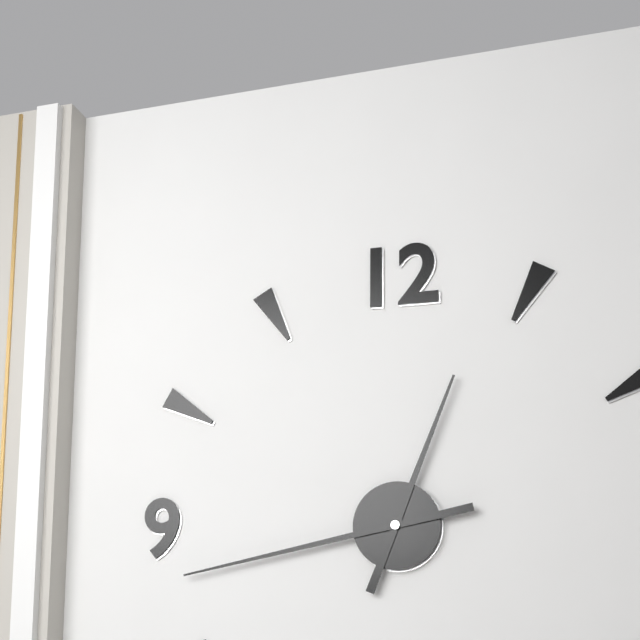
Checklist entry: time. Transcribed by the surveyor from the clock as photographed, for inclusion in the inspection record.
12:43
